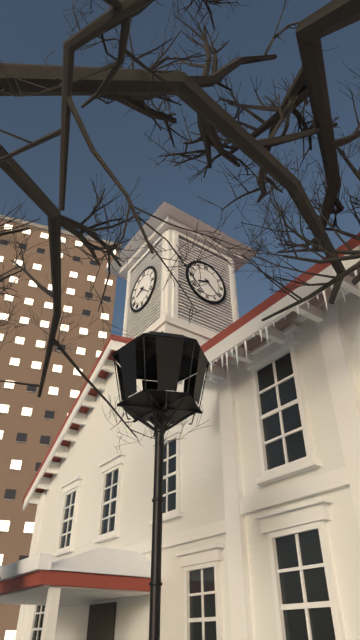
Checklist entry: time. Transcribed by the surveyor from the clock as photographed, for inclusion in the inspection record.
8:22
